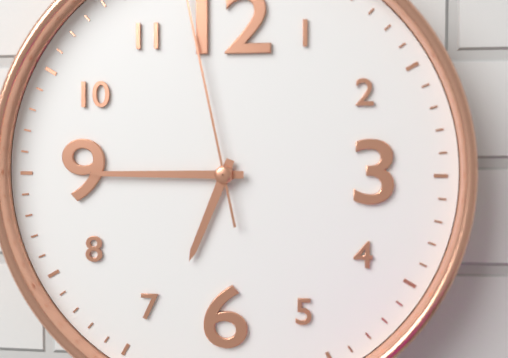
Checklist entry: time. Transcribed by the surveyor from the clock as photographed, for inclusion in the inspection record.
6:45
